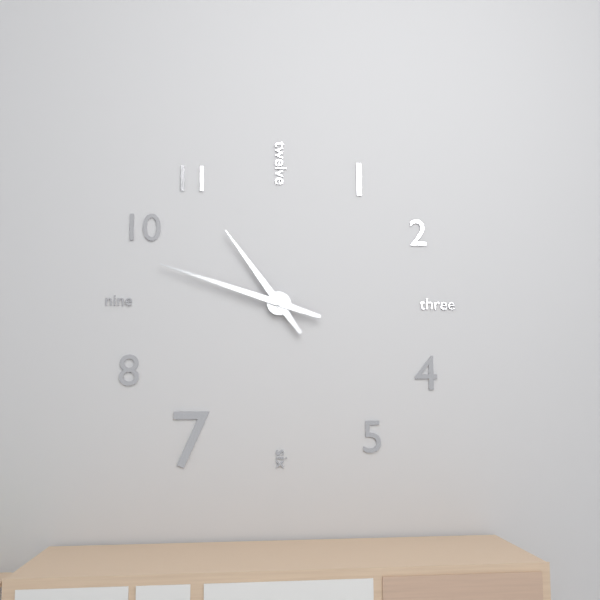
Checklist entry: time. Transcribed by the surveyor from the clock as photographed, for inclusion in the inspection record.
10:48
